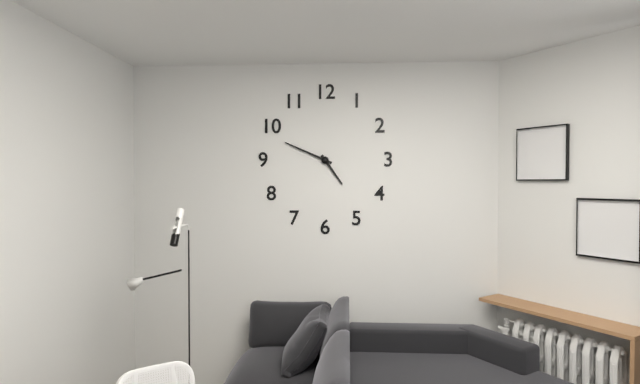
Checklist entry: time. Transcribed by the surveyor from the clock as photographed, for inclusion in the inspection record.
4:49
